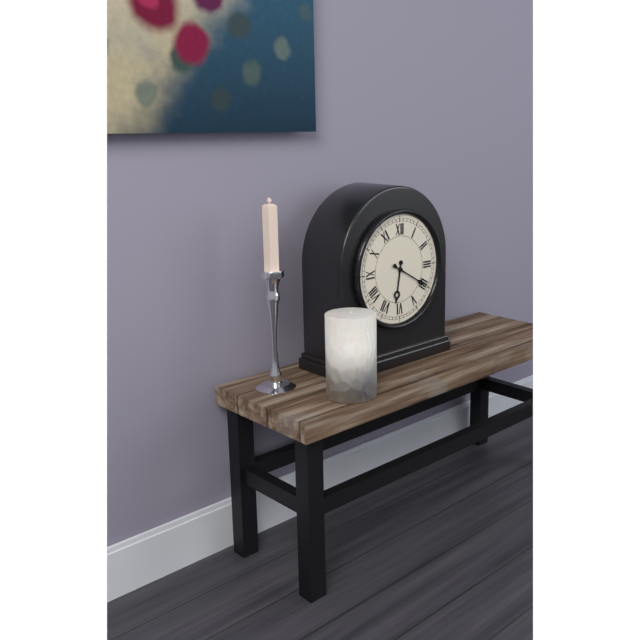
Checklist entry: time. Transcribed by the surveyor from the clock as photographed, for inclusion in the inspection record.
6:20
